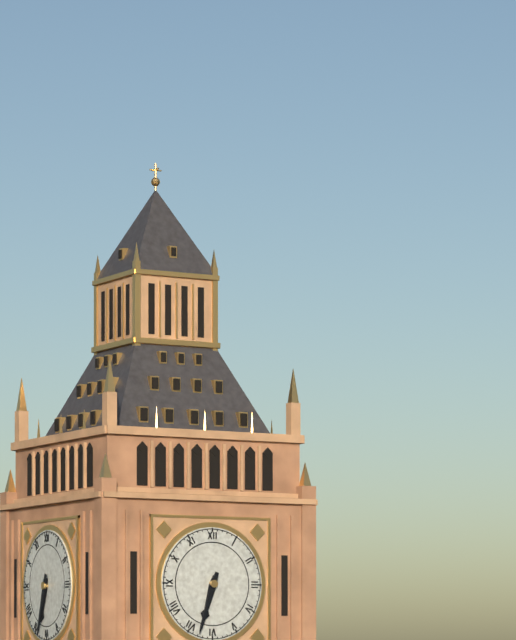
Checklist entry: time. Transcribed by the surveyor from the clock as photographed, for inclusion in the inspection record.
6:33
